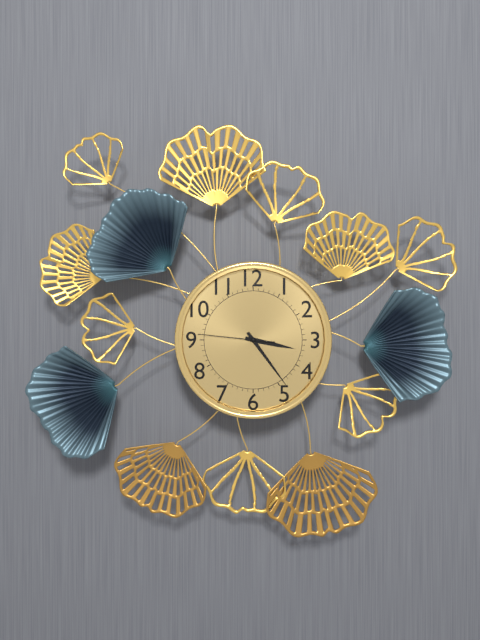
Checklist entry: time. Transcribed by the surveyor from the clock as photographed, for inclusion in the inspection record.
3:24:46
